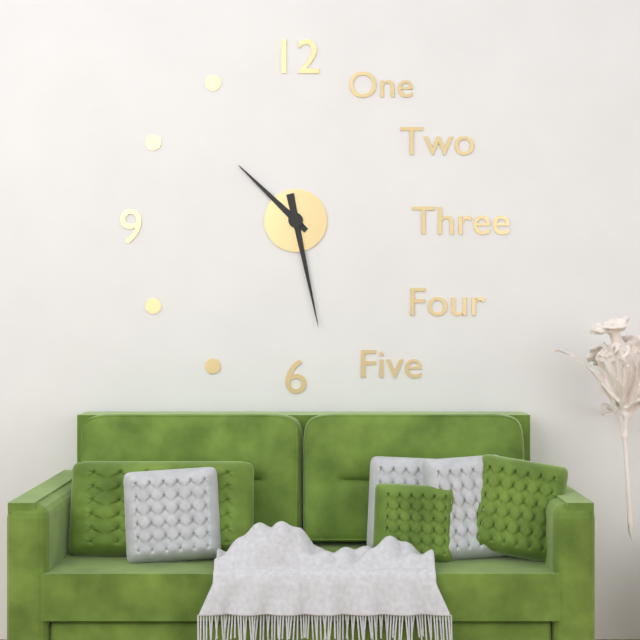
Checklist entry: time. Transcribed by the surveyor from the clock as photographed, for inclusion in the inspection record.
10:28
